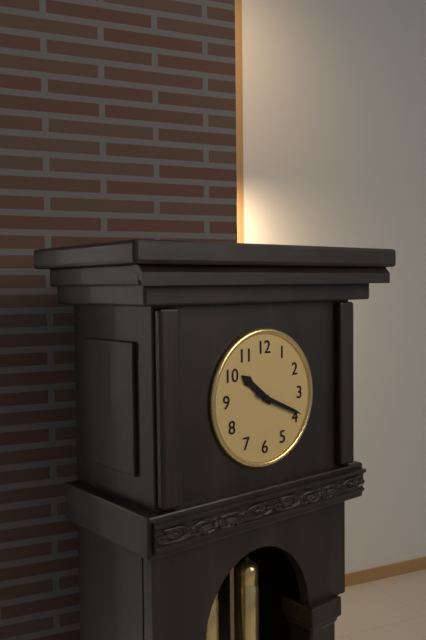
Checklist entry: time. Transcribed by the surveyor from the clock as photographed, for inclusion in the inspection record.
10:19
